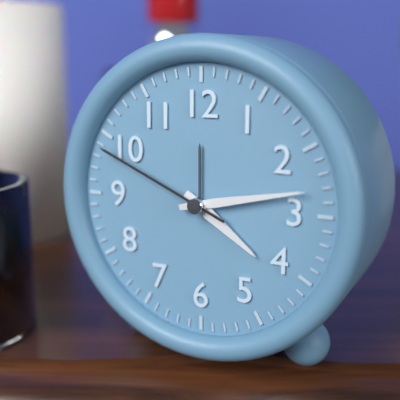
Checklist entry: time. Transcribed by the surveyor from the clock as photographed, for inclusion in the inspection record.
4:13:49
